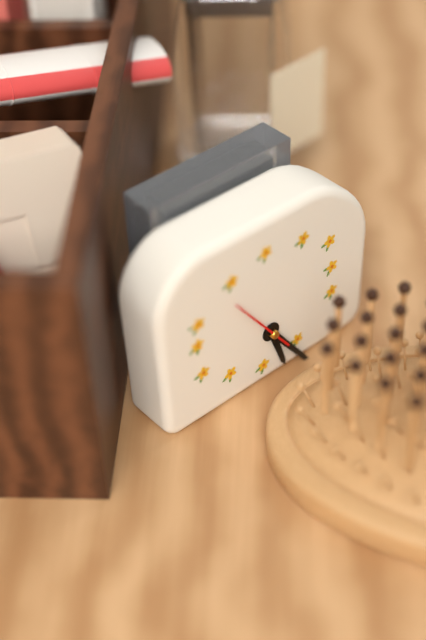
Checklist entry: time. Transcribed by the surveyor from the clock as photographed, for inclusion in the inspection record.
5:24:54
